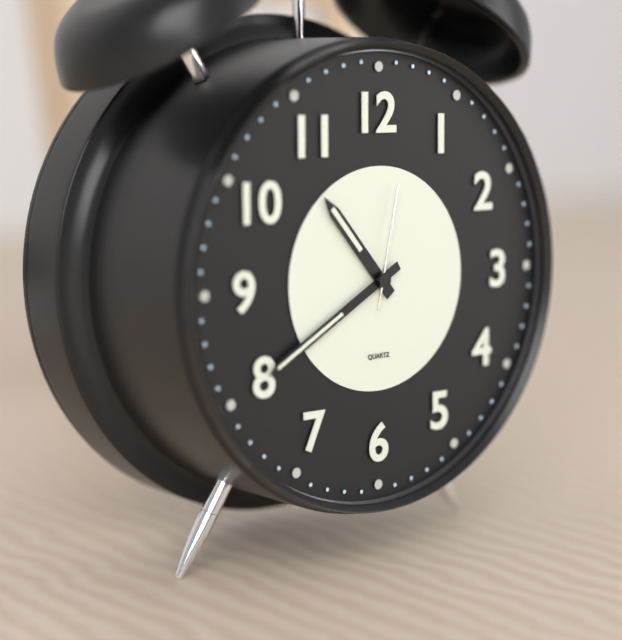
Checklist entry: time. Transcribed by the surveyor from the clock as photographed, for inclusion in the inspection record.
10:40:02
